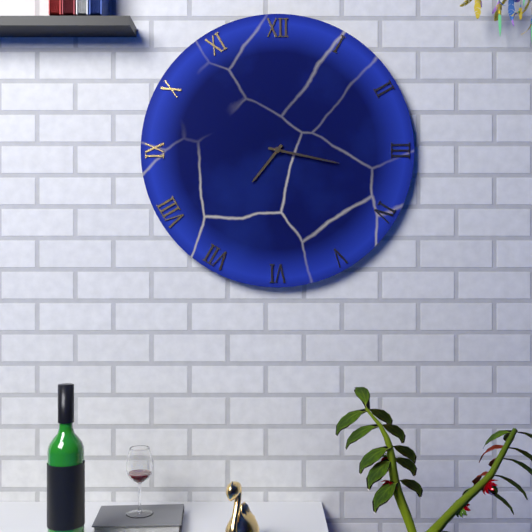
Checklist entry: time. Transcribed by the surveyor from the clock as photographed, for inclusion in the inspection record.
7:17
